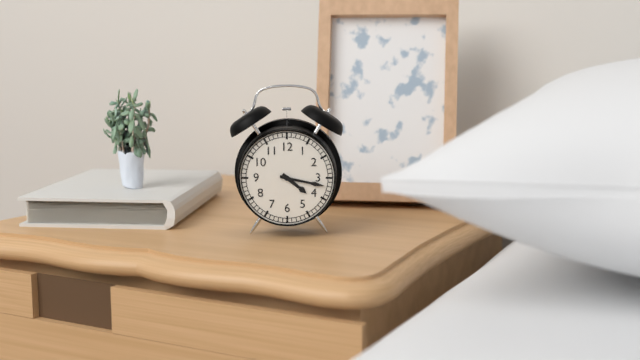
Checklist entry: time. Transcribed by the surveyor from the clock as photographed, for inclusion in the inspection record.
4:17
